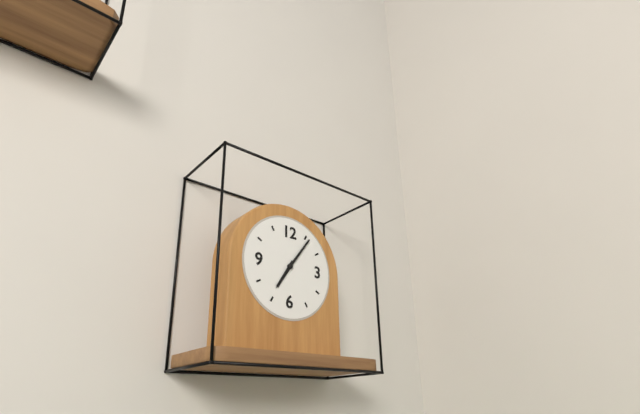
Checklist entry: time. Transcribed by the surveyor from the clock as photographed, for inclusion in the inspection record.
7:06
